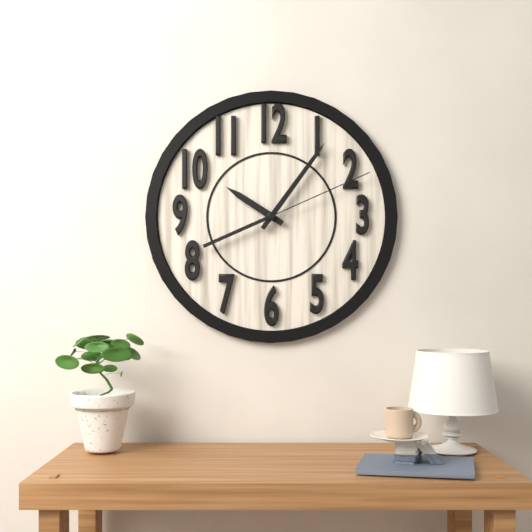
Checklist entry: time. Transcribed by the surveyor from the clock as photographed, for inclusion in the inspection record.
10:06:11
